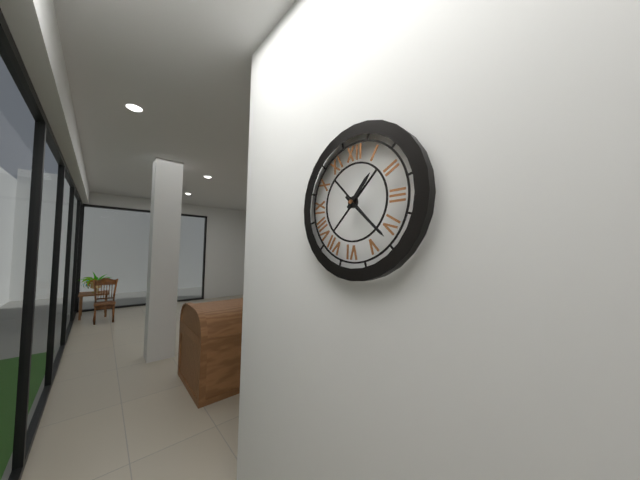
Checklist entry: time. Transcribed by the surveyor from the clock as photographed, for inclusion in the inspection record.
1:22
